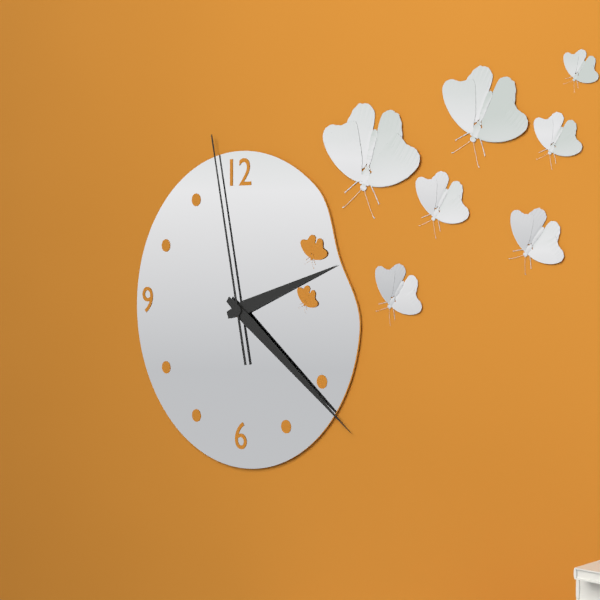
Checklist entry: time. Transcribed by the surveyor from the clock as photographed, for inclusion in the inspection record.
2:21:58
